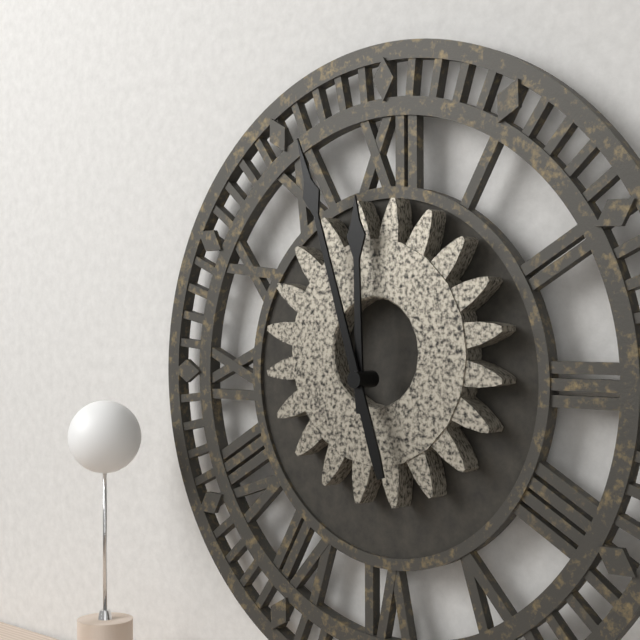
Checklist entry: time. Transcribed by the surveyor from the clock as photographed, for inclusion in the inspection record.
11:57
